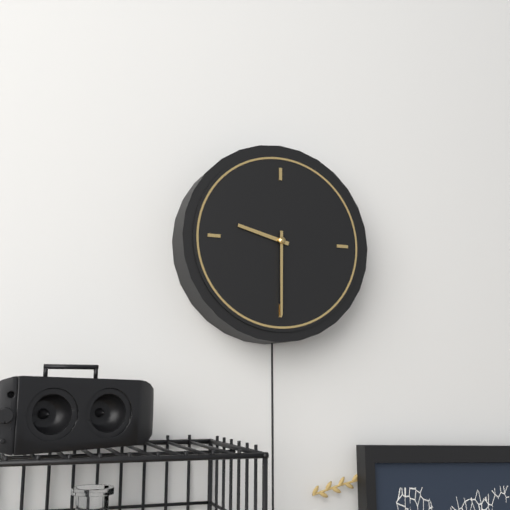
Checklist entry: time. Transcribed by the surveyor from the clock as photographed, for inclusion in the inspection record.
9:30
